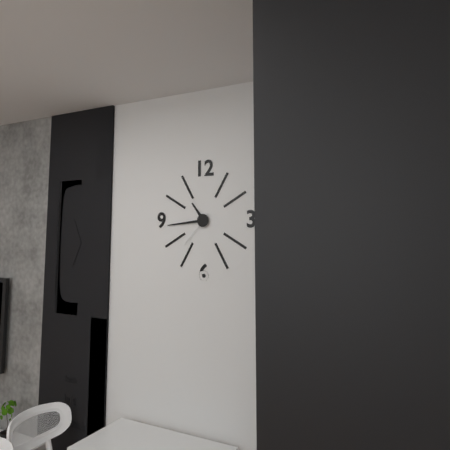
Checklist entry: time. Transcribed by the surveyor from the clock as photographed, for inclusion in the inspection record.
10:44
